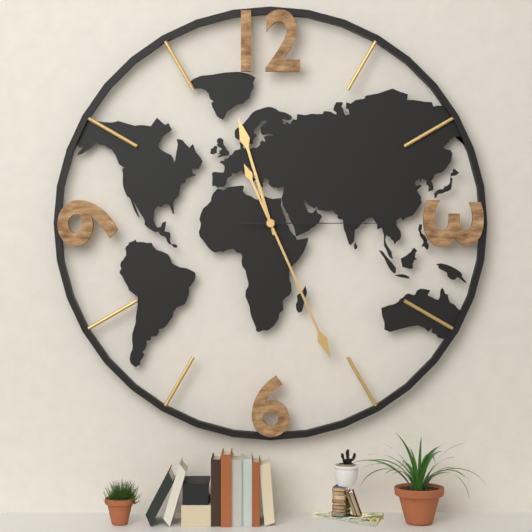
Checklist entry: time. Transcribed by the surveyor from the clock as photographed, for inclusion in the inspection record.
11:26:15
